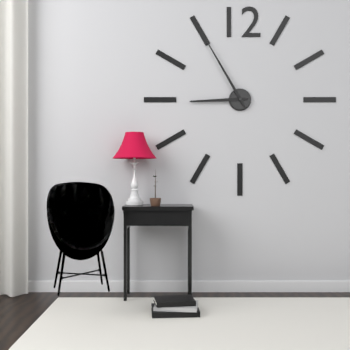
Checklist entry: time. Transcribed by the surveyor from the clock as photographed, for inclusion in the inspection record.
8:55
